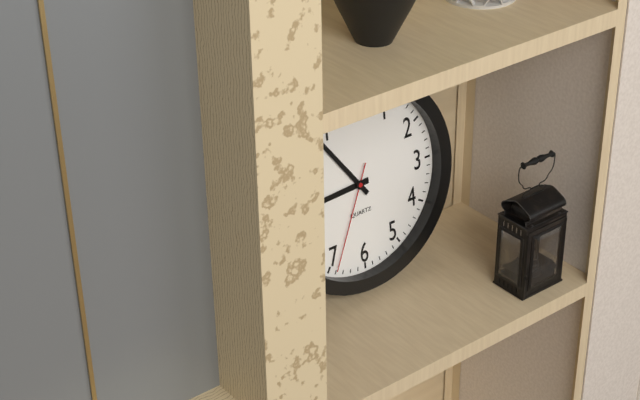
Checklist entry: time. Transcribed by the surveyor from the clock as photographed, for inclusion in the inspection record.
8:54:34
